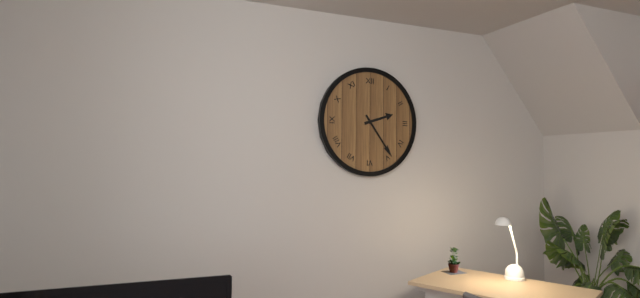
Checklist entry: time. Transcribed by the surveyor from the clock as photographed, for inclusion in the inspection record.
2:24
